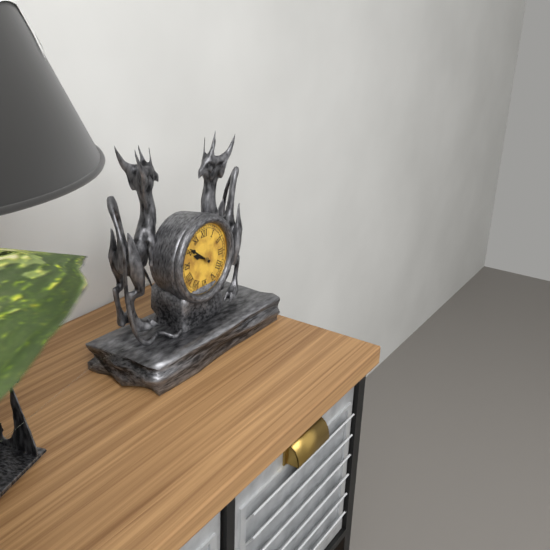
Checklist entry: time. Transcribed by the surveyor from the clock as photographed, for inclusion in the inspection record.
9:51
